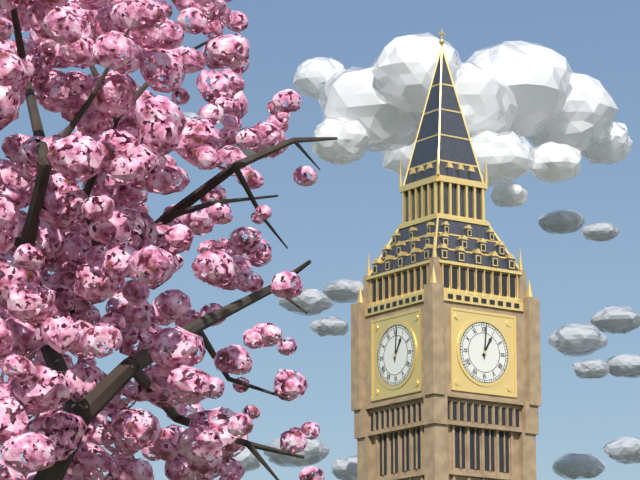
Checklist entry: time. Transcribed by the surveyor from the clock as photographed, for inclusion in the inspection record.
1:01
